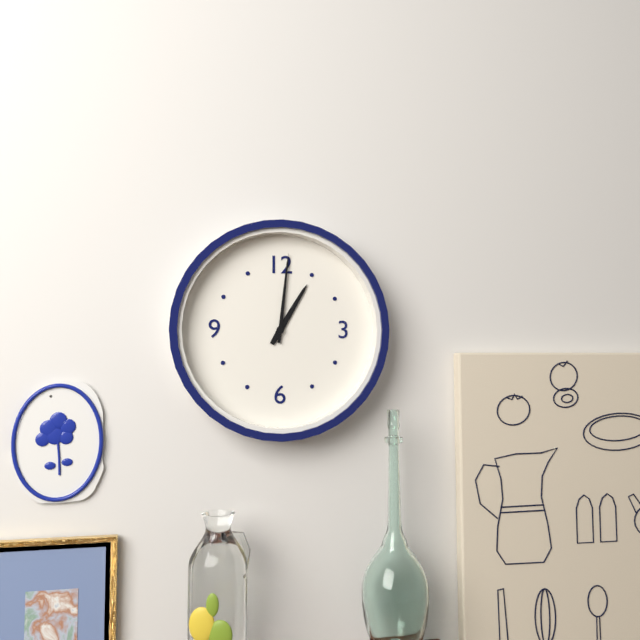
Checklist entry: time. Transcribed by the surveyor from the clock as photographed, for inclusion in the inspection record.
1:01
